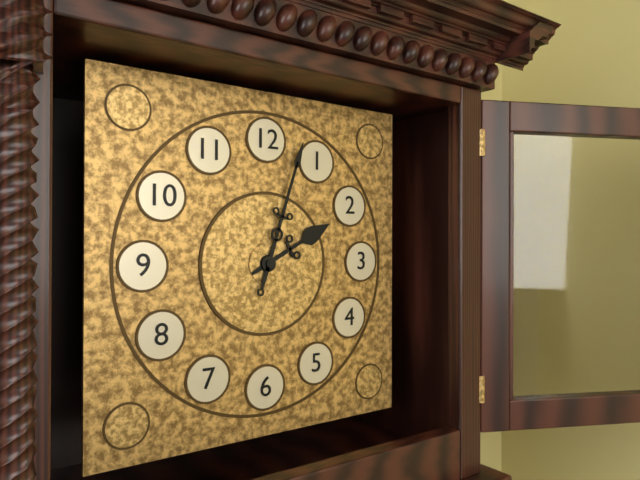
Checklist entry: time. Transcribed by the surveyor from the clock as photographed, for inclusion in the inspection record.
2:03
